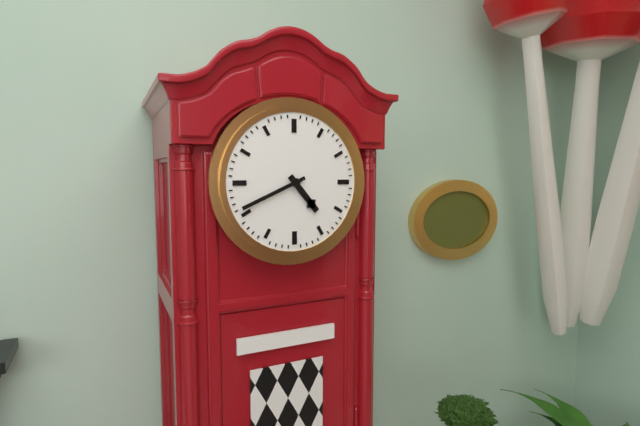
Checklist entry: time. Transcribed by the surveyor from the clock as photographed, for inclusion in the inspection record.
4:41
